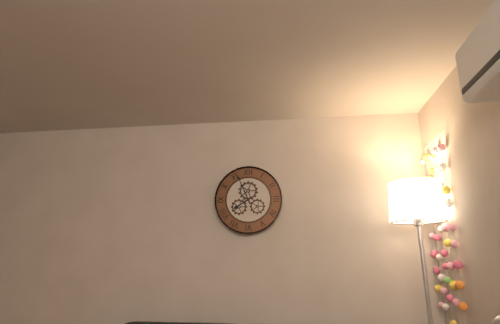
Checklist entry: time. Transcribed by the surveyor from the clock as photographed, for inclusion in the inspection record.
7:56
